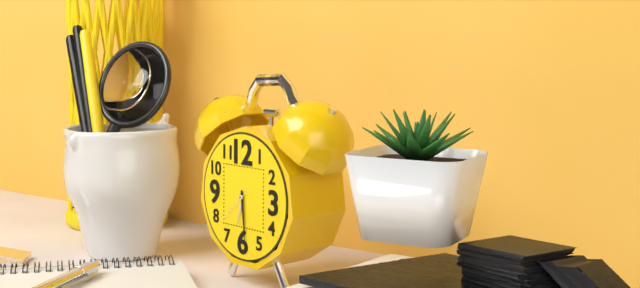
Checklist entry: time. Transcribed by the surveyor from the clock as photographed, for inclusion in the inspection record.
6:29
